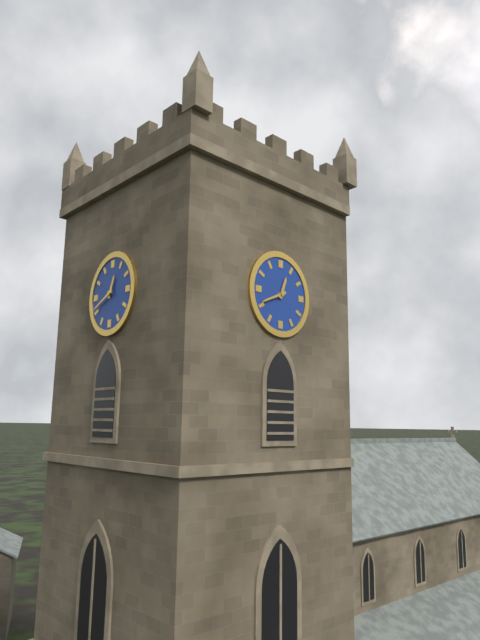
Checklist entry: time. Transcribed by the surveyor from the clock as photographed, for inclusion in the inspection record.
12:41
